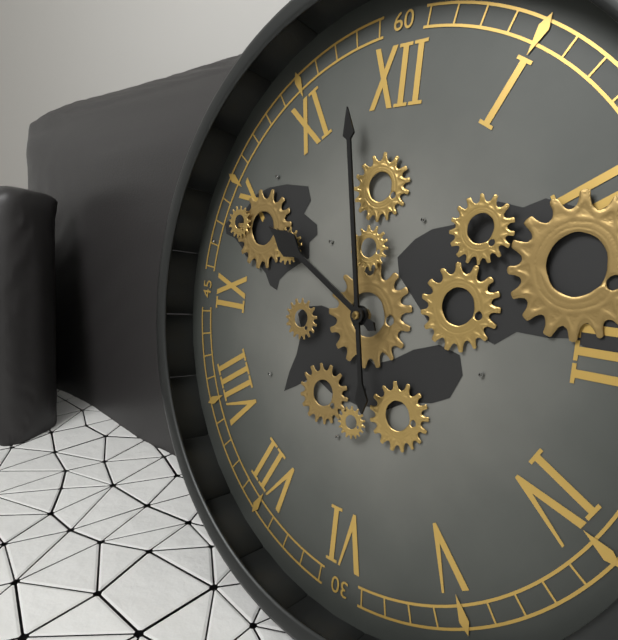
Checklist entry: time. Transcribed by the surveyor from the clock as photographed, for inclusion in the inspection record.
9:58
